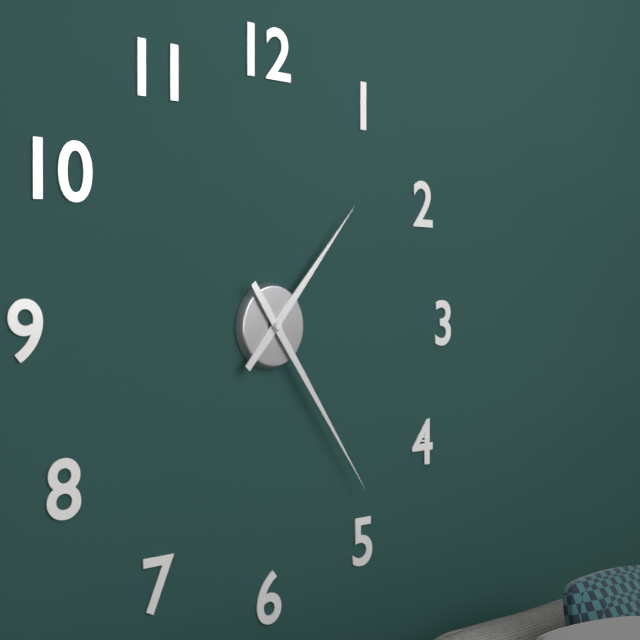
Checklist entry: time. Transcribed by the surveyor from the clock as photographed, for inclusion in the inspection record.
1:24
